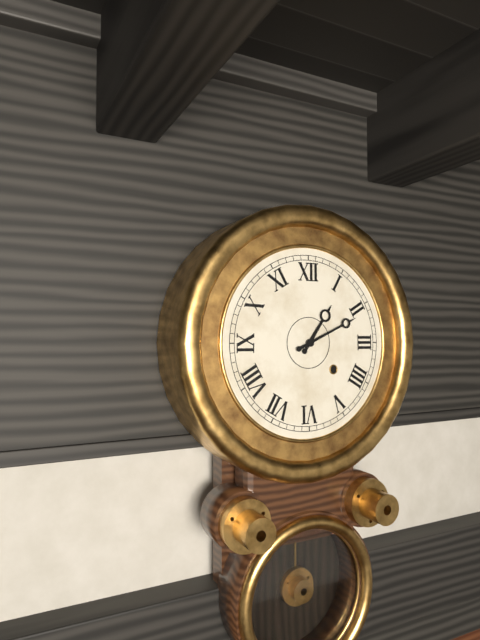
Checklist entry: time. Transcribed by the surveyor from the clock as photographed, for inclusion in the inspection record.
1:11
